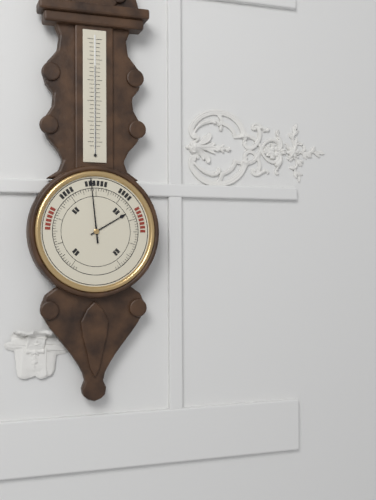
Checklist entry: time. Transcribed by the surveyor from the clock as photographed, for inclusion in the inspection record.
1:59
